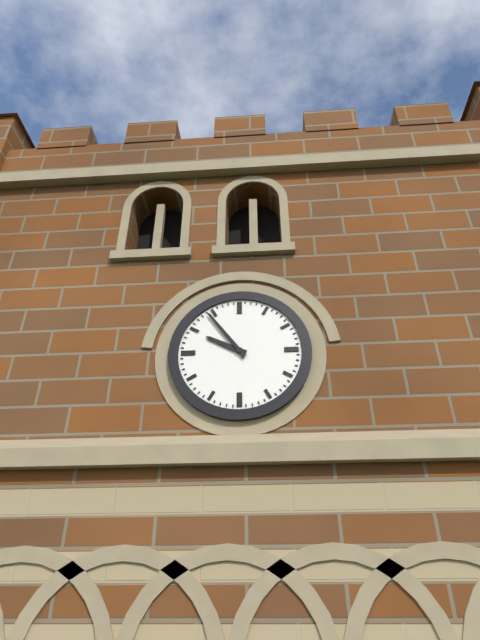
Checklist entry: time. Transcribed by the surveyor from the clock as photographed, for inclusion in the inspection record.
9:54
